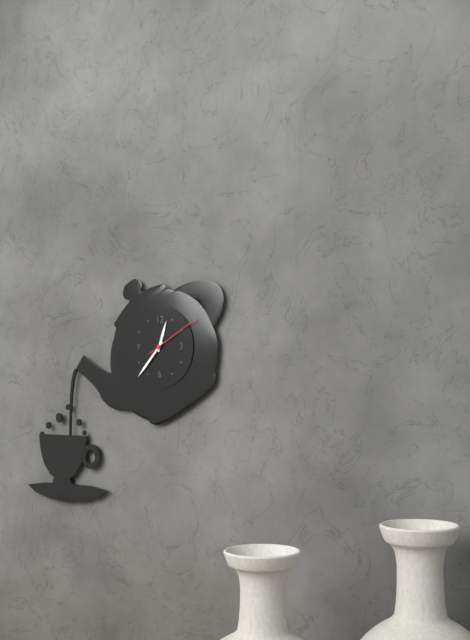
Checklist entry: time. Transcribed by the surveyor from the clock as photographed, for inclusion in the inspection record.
12:37:10
